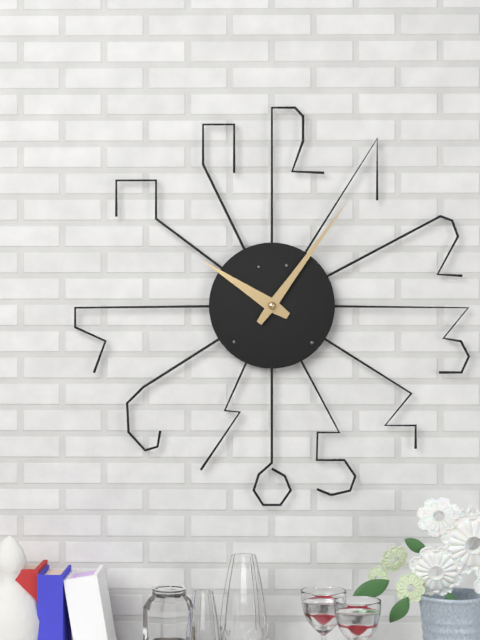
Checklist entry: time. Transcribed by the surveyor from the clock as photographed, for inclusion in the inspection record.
10:06
